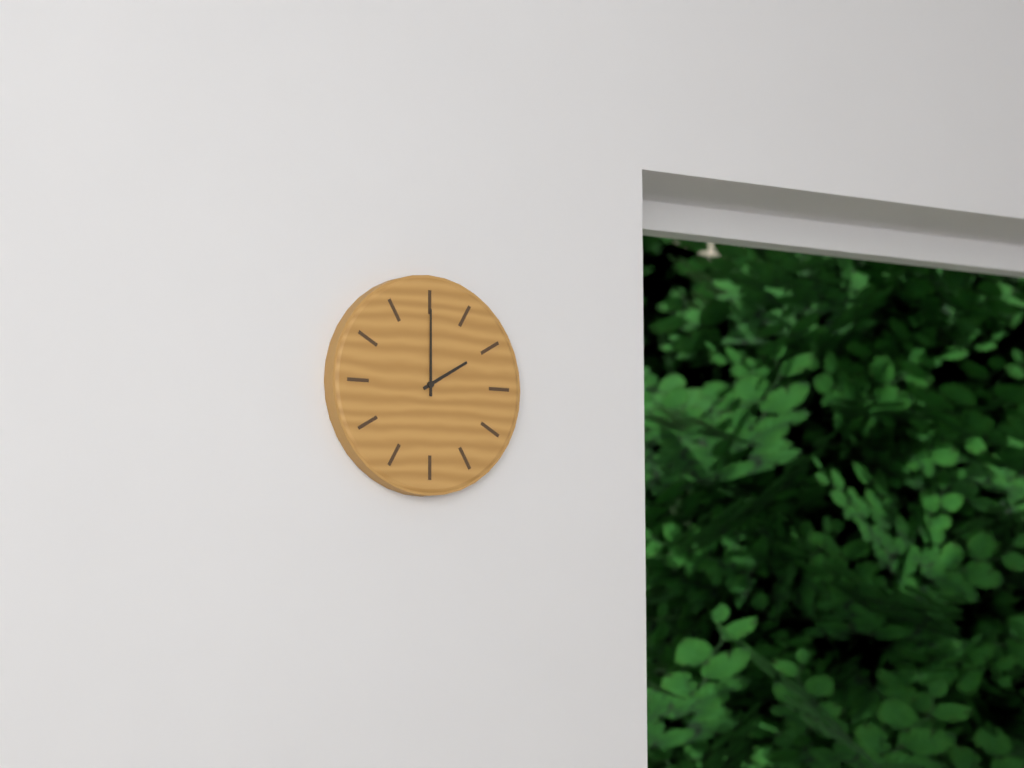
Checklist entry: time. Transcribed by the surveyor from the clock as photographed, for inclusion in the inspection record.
2:00
